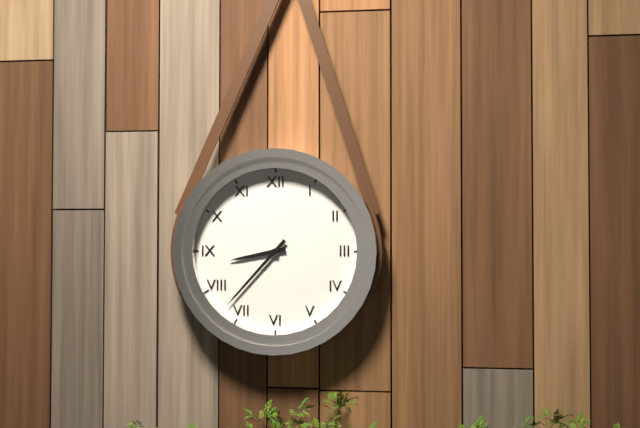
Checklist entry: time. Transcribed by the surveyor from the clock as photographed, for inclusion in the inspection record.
8:37
